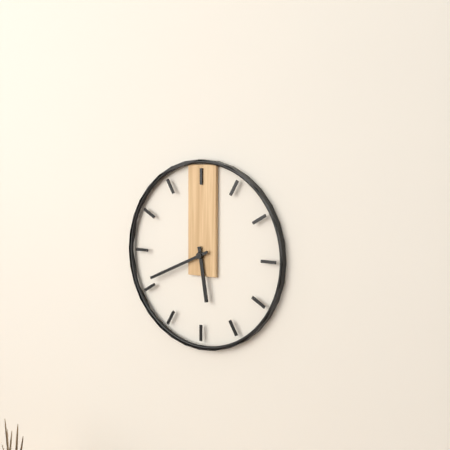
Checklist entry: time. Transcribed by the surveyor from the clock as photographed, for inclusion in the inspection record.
5:41
